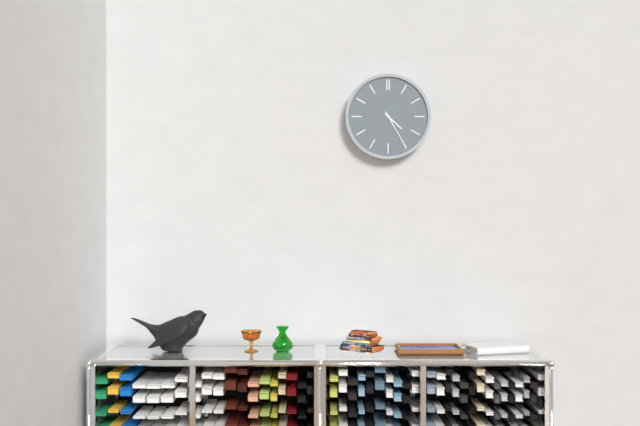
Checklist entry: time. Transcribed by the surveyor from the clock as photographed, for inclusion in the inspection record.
4:25
